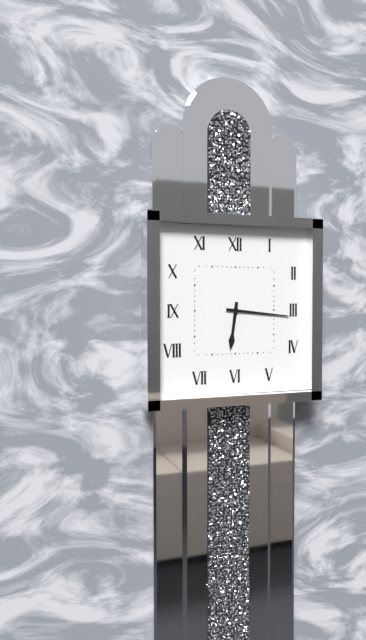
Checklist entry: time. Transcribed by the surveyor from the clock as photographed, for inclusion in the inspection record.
6:16
